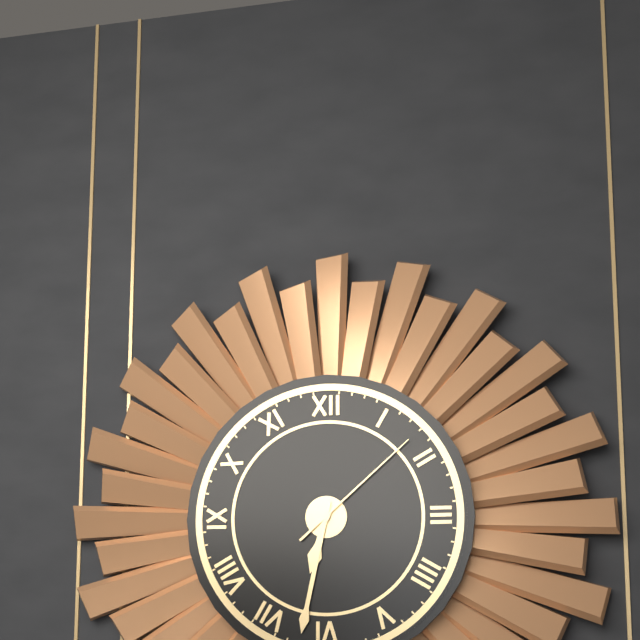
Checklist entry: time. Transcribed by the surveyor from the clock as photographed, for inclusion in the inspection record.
6:32:08
